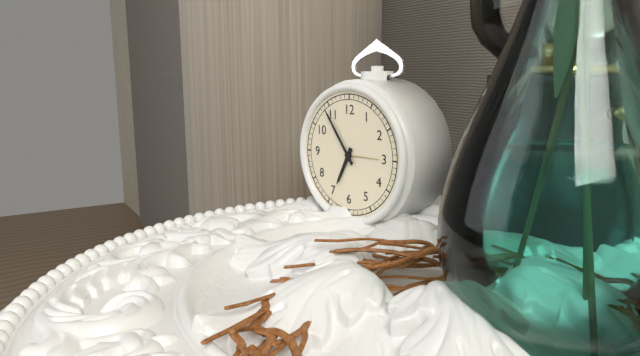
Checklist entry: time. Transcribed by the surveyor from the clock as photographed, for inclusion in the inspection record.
6:54
